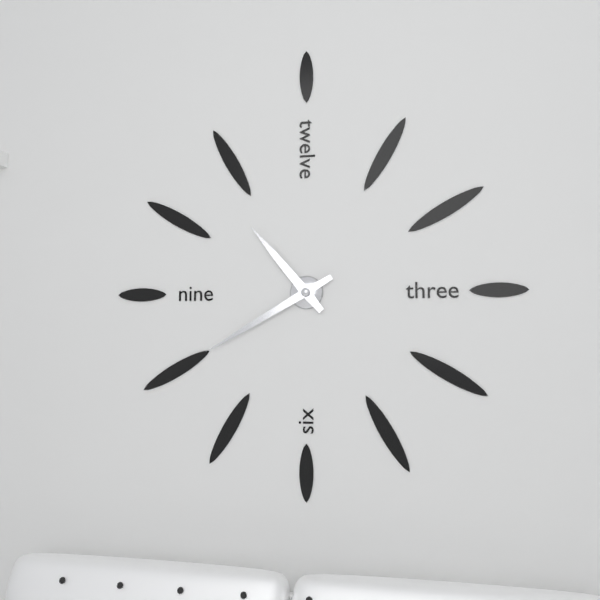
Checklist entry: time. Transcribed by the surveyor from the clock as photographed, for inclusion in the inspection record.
10:40
